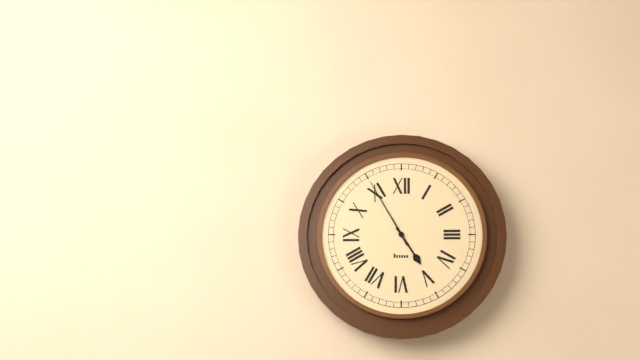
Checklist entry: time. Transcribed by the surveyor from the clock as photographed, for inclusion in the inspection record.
4:55
